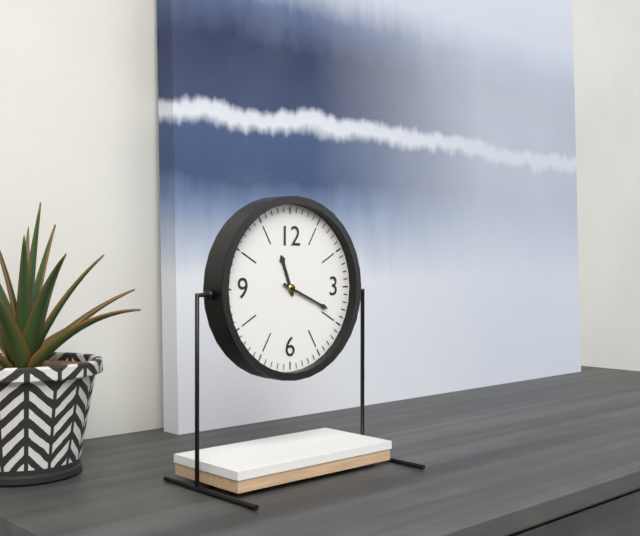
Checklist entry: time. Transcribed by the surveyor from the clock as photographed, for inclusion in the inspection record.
11:19
